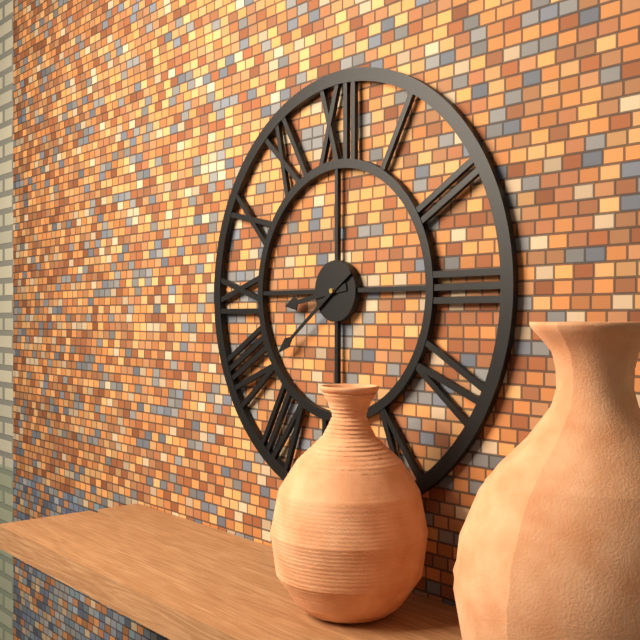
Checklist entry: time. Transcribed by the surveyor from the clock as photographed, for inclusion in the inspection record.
8:39
